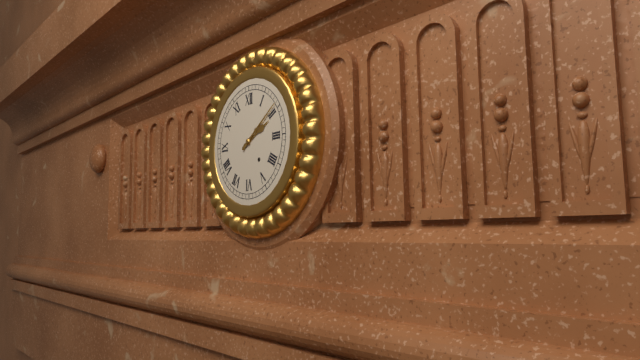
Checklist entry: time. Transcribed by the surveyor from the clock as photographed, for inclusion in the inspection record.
2:09
